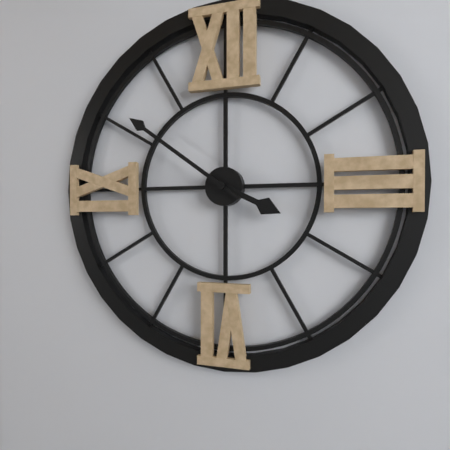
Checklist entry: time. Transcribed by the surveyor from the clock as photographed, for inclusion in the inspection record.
3:51
